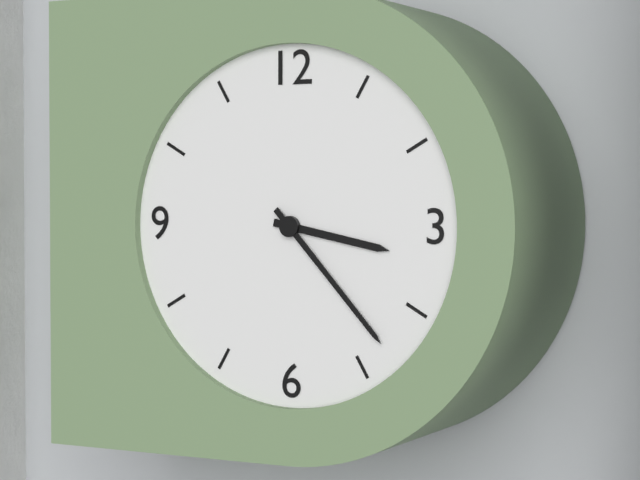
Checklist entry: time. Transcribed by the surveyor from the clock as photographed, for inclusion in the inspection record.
3:23
